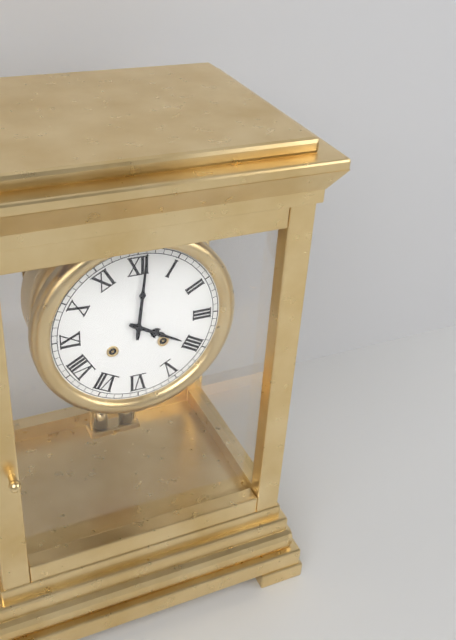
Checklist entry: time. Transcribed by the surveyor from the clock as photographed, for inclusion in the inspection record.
4:01
